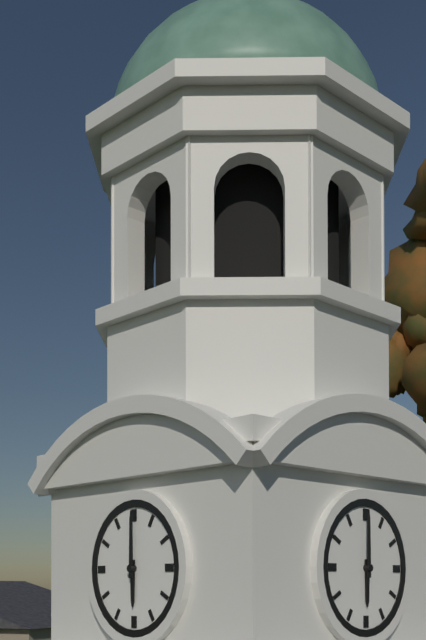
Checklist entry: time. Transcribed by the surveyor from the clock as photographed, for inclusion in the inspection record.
6:00
